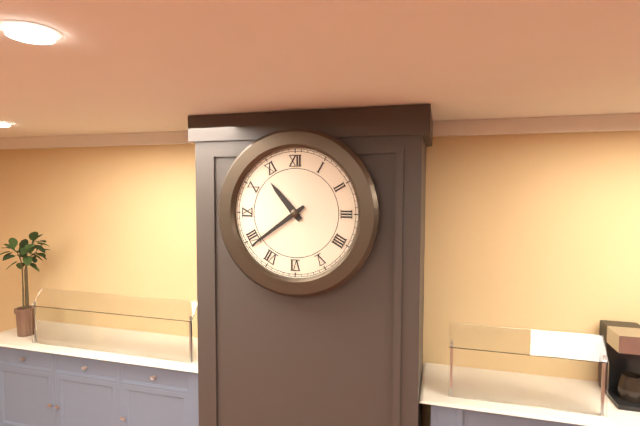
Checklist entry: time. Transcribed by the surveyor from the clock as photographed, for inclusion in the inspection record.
10:39
